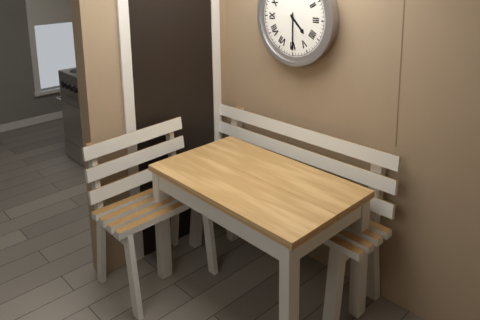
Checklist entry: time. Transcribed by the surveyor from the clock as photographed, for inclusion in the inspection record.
4:30
